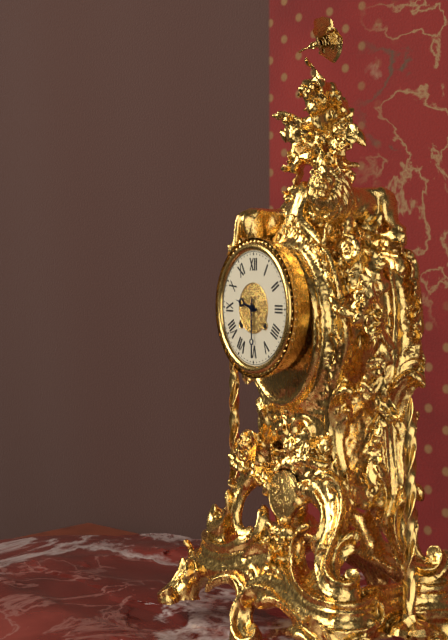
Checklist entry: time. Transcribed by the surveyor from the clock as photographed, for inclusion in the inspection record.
9:30
